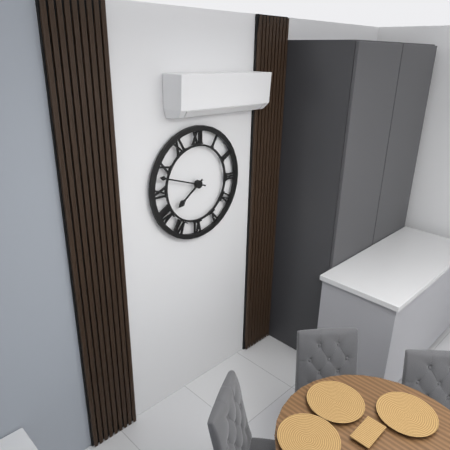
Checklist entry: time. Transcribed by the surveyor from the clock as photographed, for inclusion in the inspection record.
7:48
